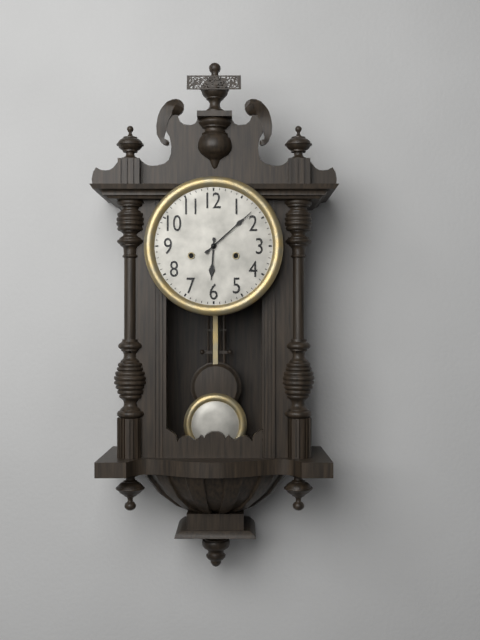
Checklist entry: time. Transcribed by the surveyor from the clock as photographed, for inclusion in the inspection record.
6:08
